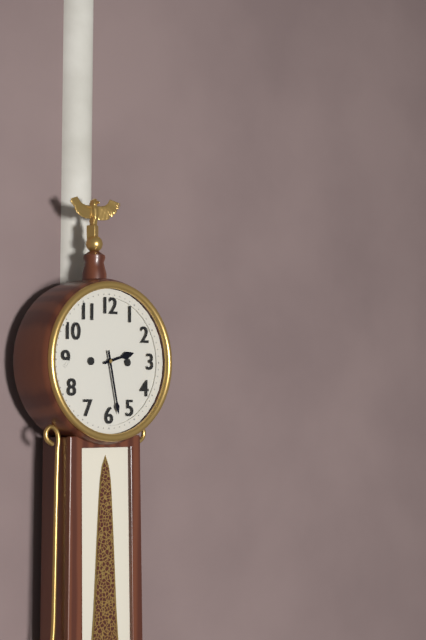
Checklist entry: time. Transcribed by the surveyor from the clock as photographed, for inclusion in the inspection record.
2:28
